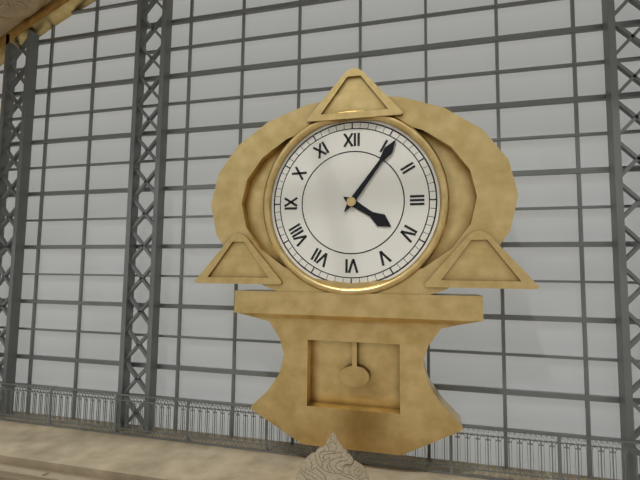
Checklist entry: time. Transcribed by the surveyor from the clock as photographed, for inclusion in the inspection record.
4:06
